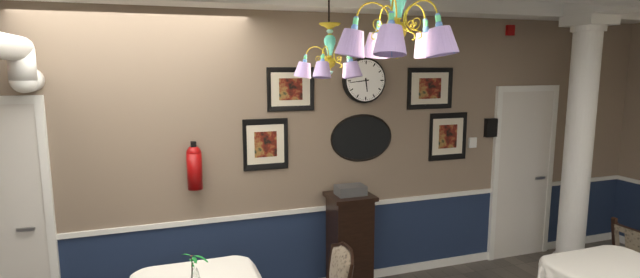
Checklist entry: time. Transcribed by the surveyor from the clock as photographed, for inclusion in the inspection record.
5:44
